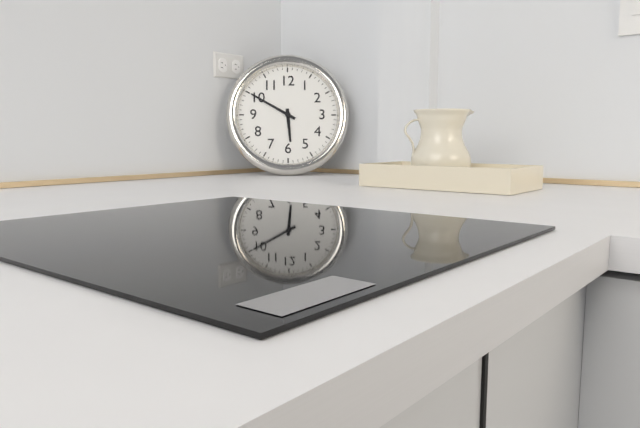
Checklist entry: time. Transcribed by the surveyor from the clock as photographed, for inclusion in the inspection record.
5:50
